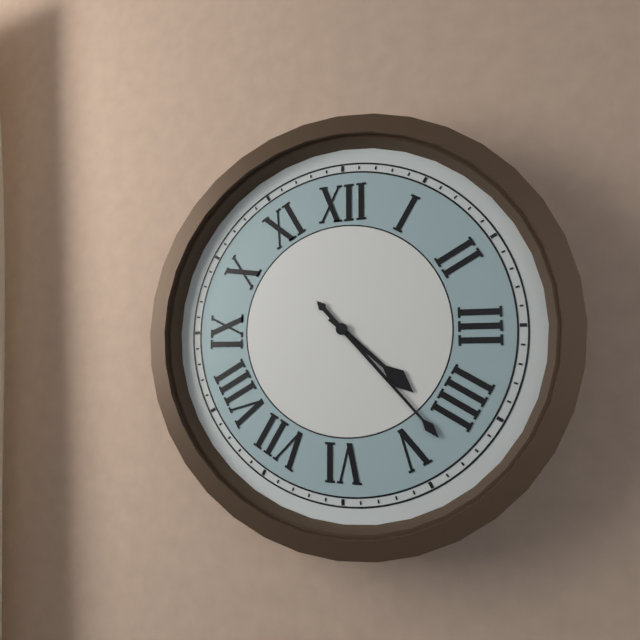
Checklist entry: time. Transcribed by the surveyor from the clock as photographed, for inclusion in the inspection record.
4:23
